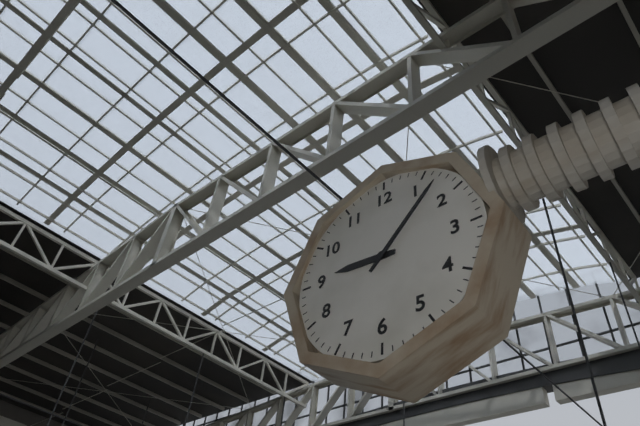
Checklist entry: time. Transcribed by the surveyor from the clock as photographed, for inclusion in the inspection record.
9:07
